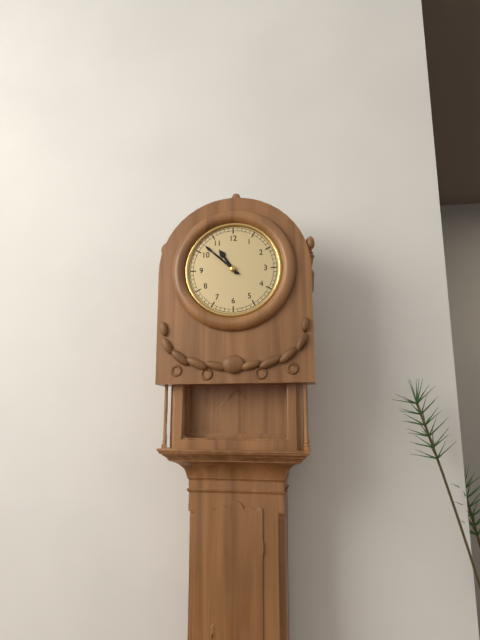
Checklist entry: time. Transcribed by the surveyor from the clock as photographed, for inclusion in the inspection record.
10:52
